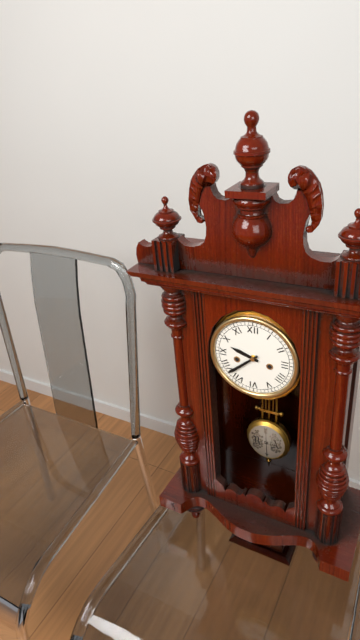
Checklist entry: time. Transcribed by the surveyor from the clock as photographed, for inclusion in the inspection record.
9:38
